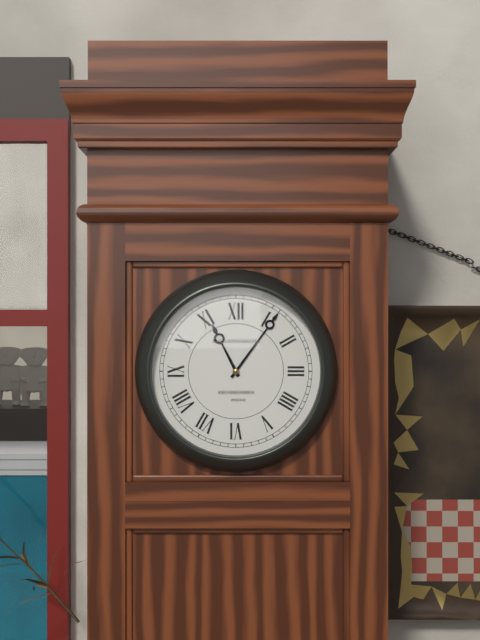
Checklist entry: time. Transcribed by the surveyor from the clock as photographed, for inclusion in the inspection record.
11:06
